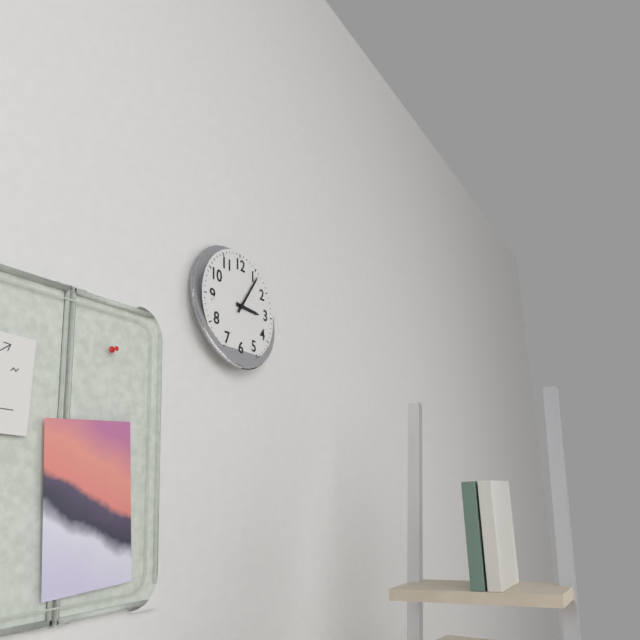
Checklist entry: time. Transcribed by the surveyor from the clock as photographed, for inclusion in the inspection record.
3:06
